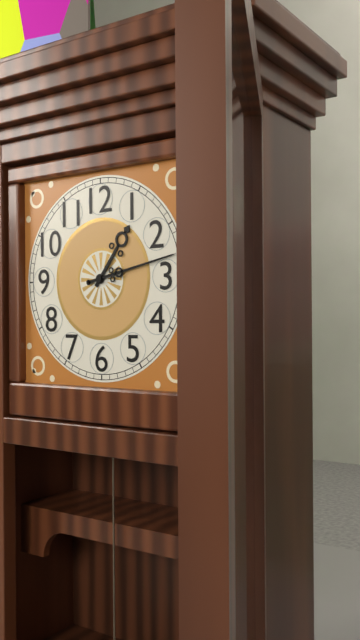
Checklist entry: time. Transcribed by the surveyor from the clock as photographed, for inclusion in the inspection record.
1:13
